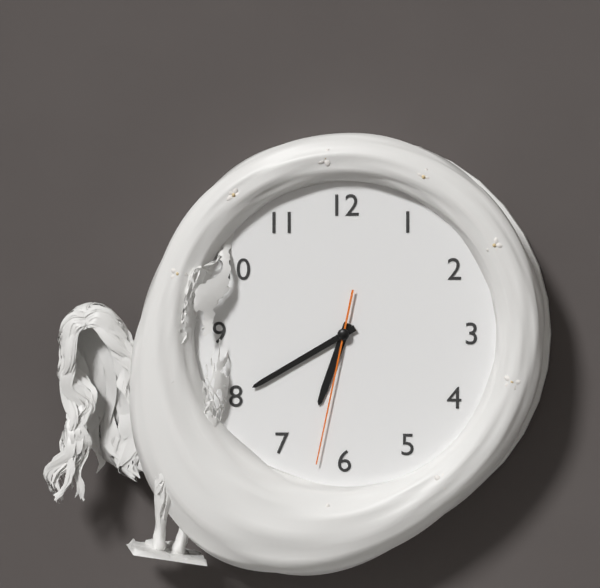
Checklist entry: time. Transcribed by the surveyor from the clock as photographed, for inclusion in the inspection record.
6:40:32
